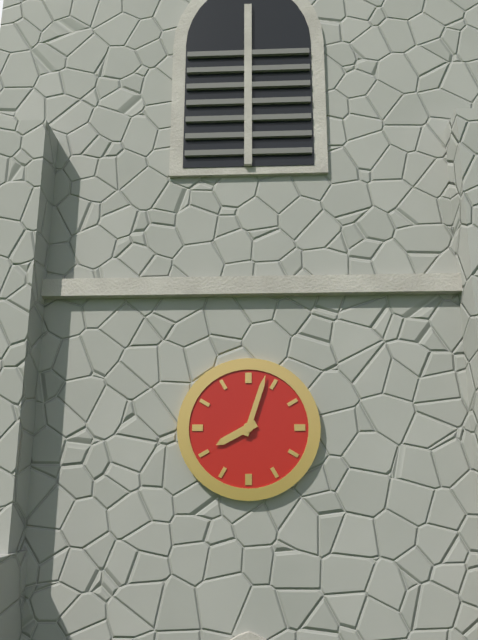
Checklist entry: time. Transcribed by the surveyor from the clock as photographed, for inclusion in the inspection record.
8:03
